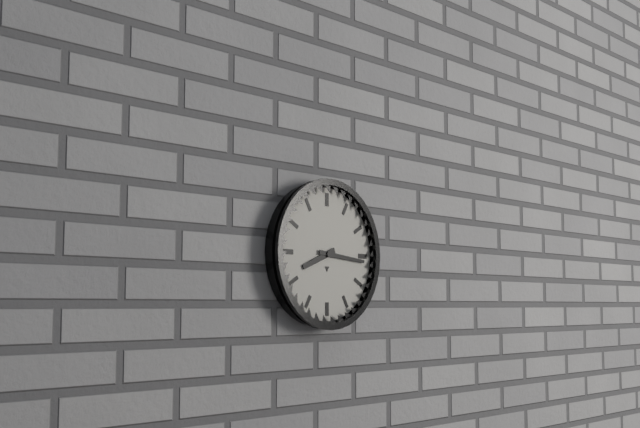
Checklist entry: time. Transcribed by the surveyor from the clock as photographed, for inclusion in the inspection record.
8:16
